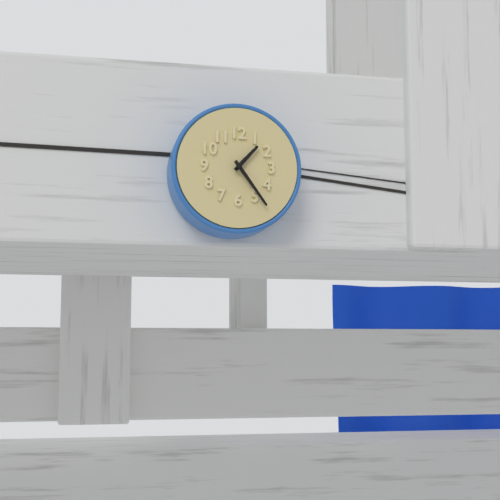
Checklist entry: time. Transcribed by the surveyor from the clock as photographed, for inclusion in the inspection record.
1:24
